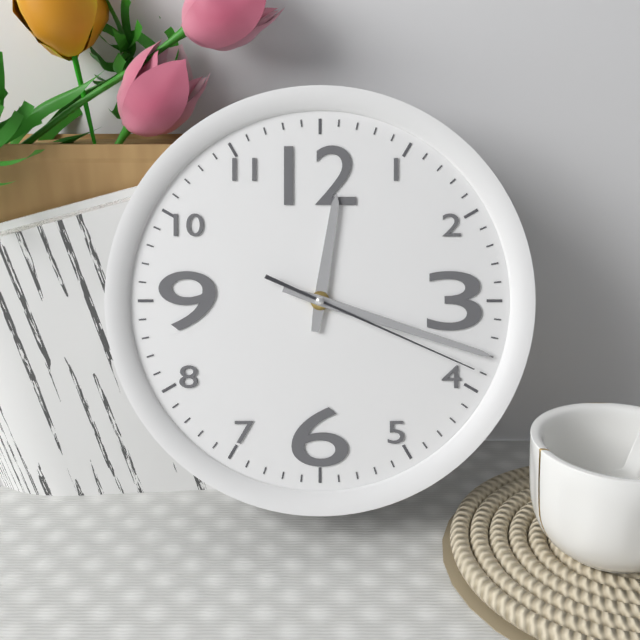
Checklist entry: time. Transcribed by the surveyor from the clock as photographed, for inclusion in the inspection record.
12:18:19
